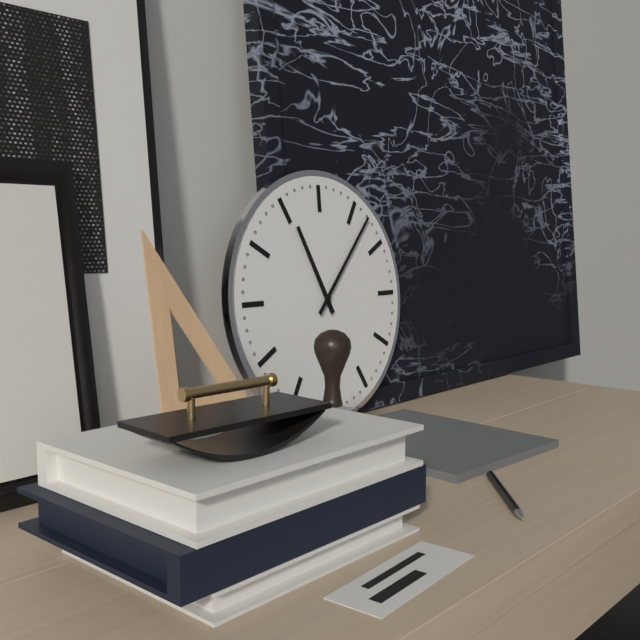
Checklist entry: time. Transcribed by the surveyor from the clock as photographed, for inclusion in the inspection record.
11:07
